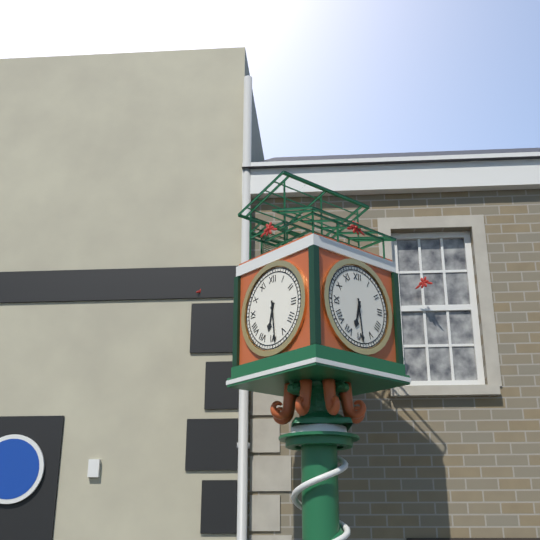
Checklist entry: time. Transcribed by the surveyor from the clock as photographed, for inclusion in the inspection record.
6:29
